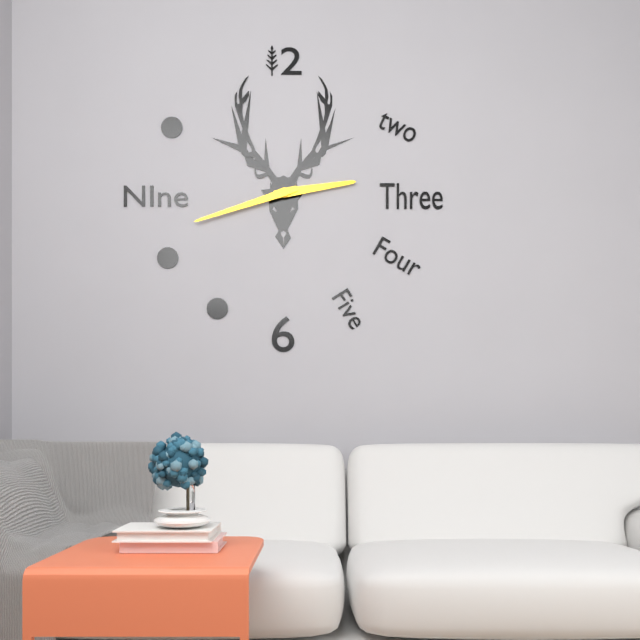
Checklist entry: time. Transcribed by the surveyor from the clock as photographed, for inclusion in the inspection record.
2:42
